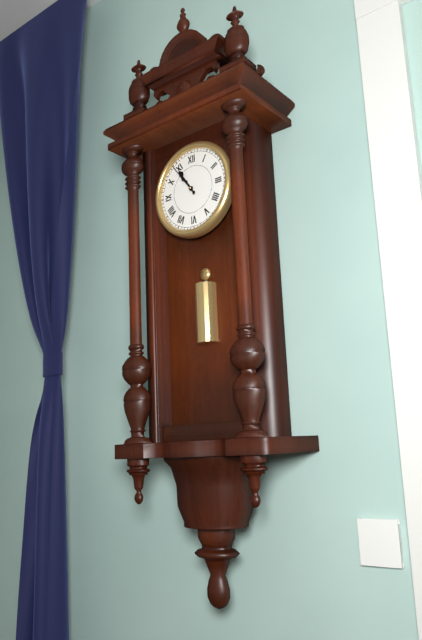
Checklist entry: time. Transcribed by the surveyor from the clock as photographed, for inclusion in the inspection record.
10:54
